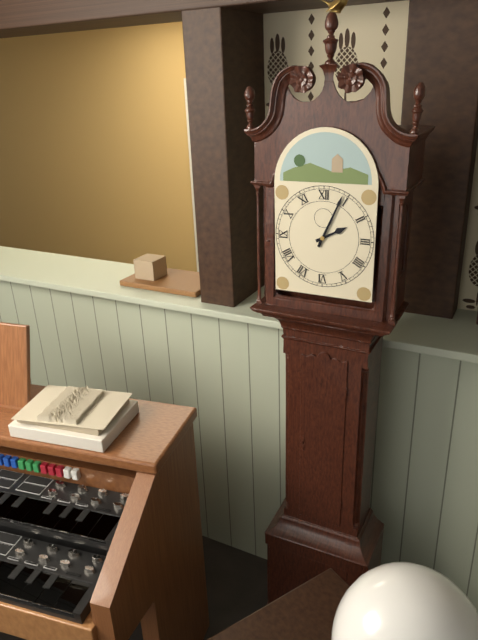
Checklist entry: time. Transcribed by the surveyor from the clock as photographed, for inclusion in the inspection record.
2:04
